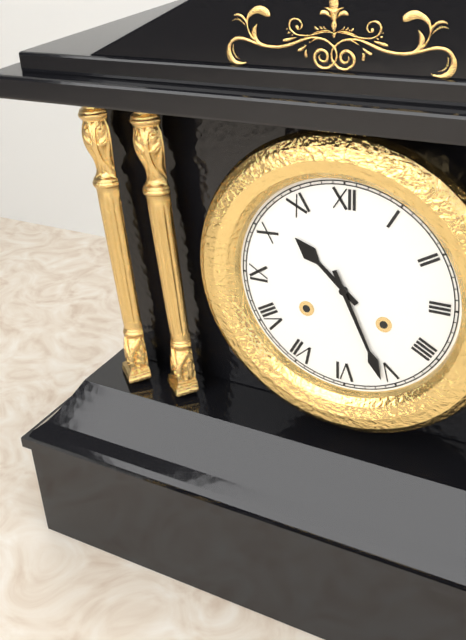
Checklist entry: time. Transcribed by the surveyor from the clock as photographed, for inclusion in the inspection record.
10:26
